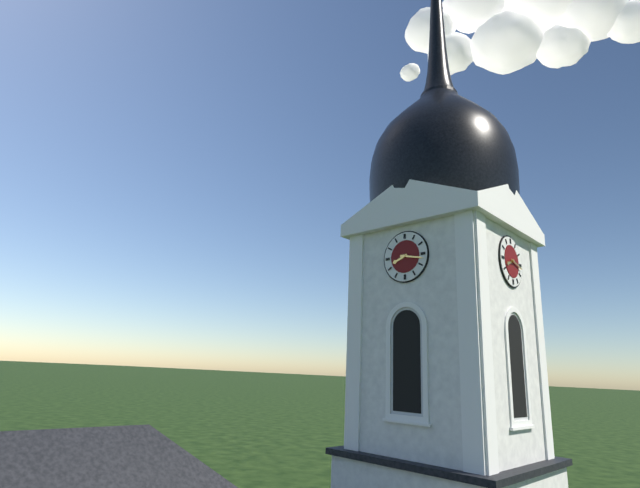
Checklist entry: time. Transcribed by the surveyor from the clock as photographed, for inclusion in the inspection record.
8:17
